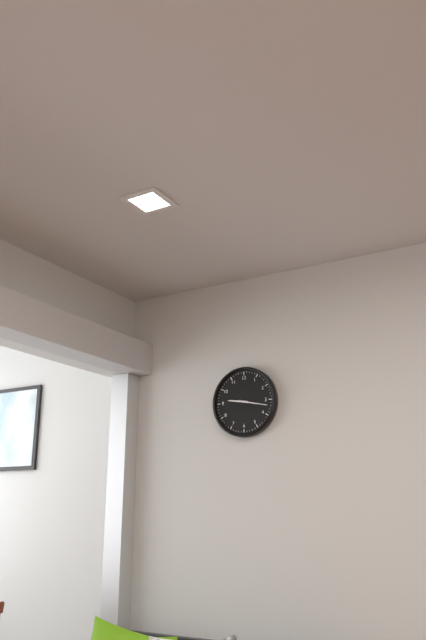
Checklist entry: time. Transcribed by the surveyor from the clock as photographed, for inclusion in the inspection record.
9:17
